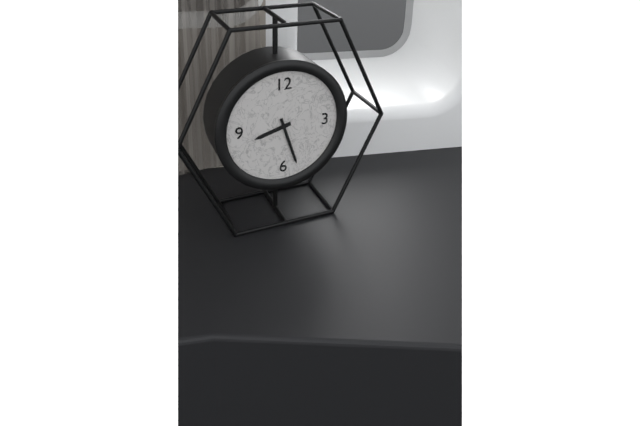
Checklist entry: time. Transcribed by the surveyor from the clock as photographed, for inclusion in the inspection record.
8:27
